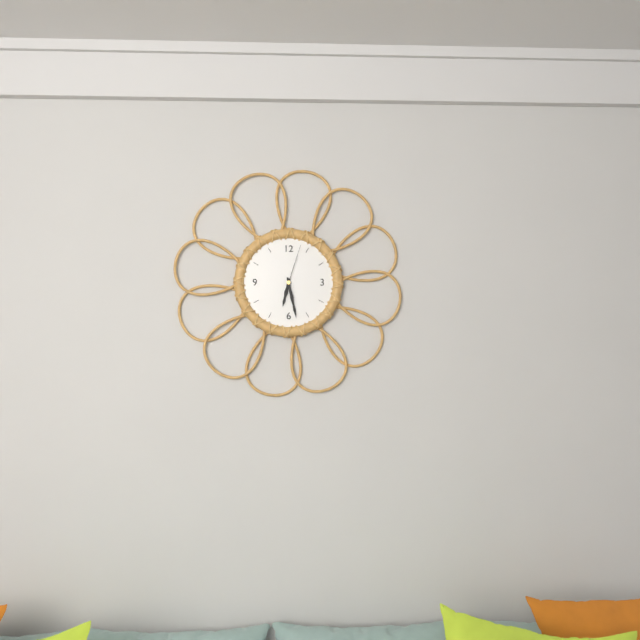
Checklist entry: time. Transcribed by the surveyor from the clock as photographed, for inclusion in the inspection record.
6:28
